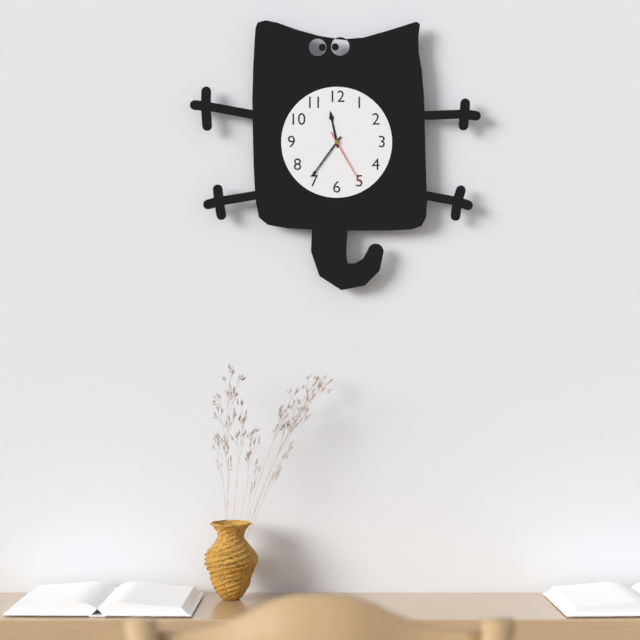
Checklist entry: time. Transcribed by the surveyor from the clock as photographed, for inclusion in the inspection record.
11:36:25
